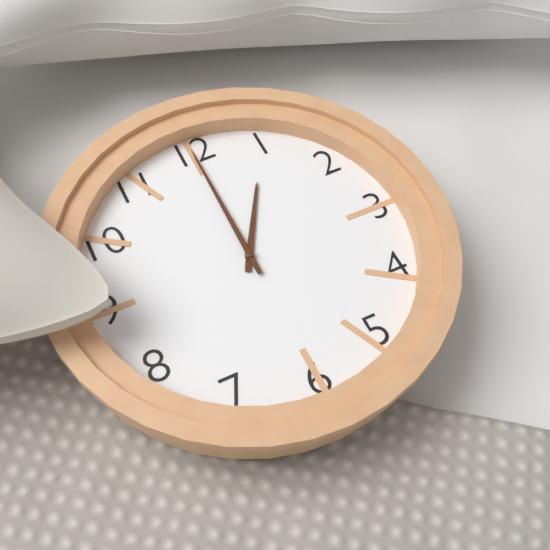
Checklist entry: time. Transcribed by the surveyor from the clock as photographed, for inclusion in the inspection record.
1:00
